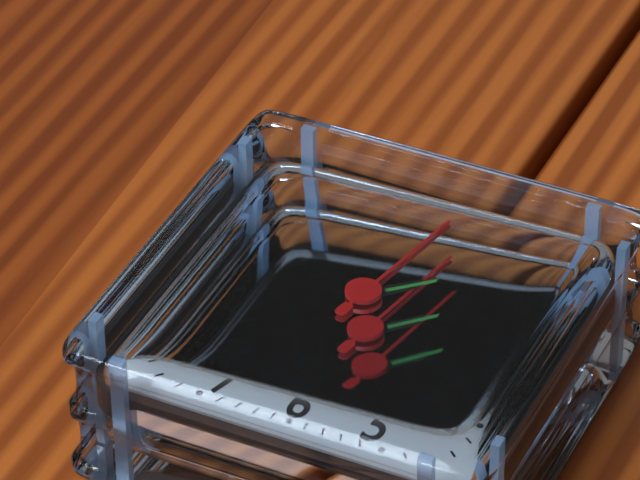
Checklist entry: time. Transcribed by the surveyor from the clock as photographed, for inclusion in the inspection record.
11:08:02
